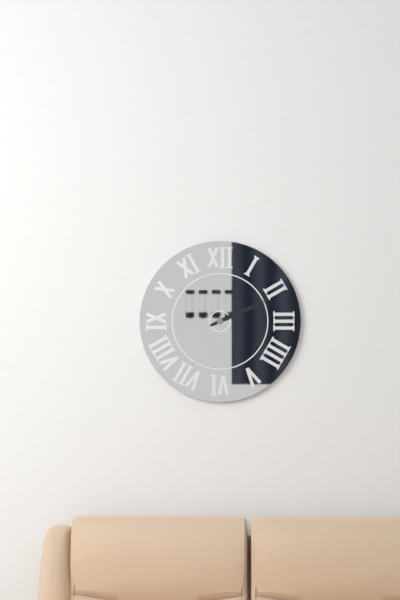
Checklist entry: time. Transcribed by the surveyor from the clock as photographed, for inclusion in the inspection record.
2:11
